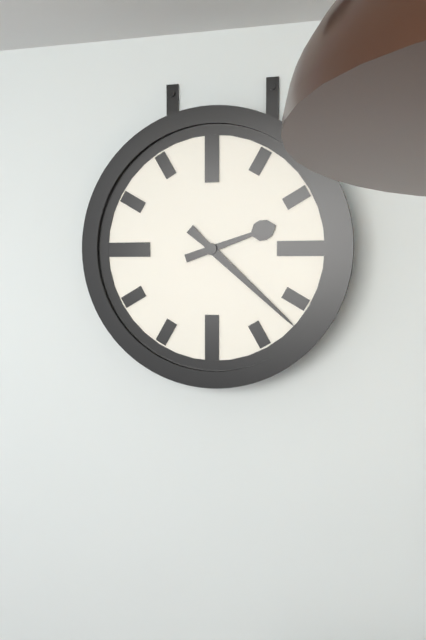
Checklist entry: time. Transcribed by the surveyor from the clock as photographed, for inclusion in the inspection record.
2:22
